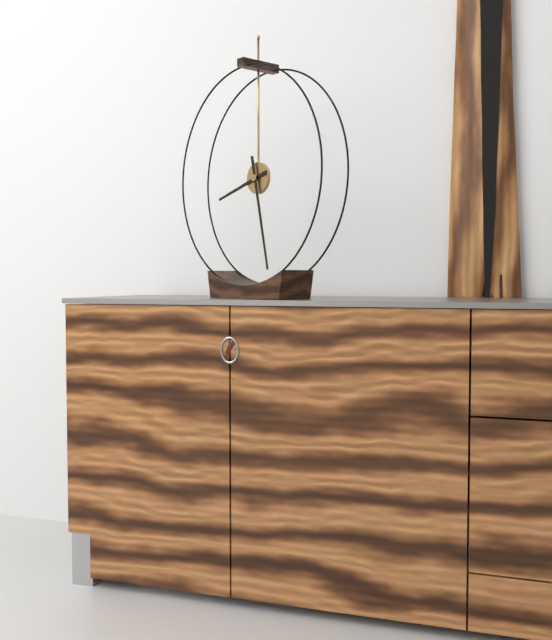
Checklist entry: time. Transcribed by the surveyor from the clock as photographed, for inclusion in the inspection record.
8:28
